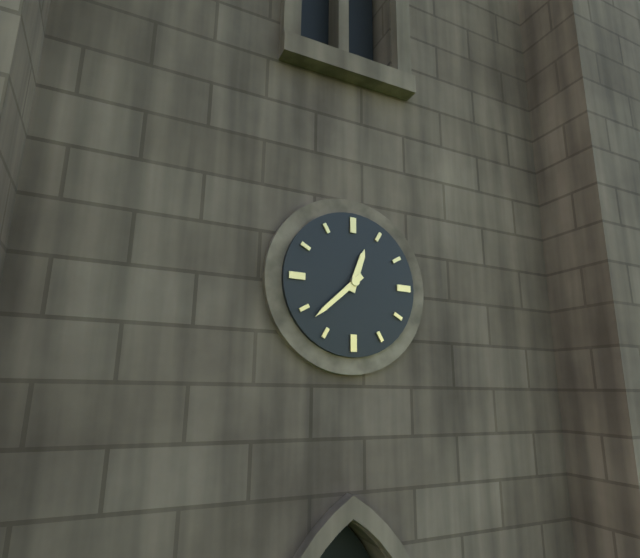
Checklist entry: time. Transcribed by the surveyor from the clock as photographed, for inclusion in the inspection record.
12:38
